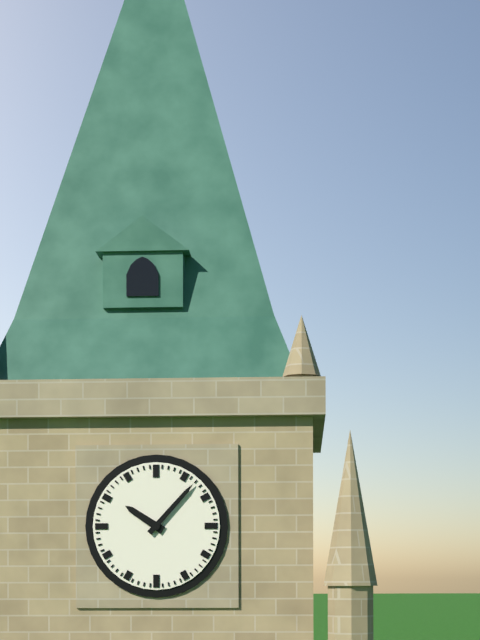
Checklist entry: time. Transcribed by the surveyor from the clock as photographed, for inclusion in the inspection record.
10:07
